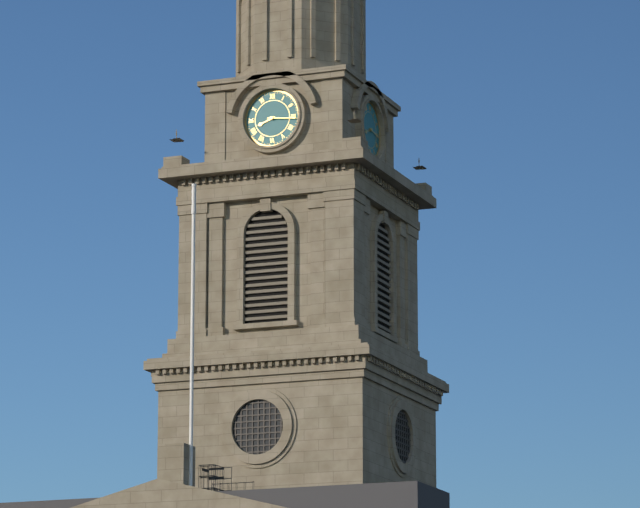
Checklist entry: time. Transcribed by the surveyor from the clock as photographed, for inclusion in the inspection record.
8:16
